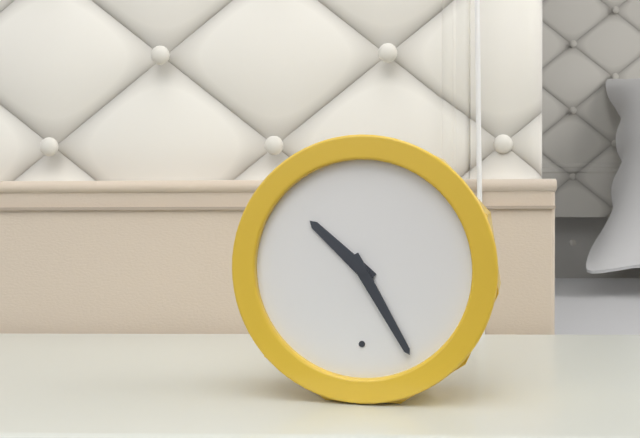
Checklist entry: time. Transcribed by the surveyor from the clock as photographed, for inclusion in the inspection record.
10:25
